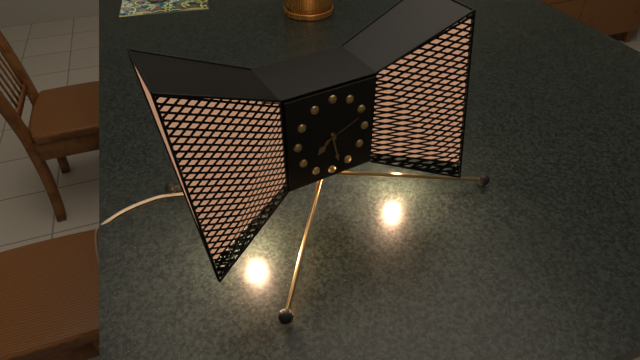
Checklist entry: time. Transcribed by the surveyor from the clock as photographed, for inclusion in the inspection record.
7:28
